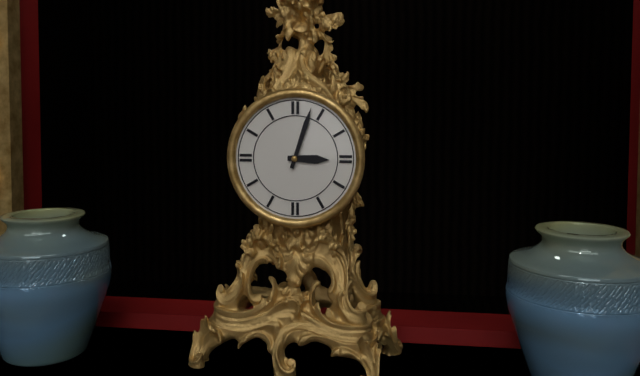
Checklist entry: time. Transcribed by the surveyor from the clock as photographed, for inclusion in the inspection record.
3:03
